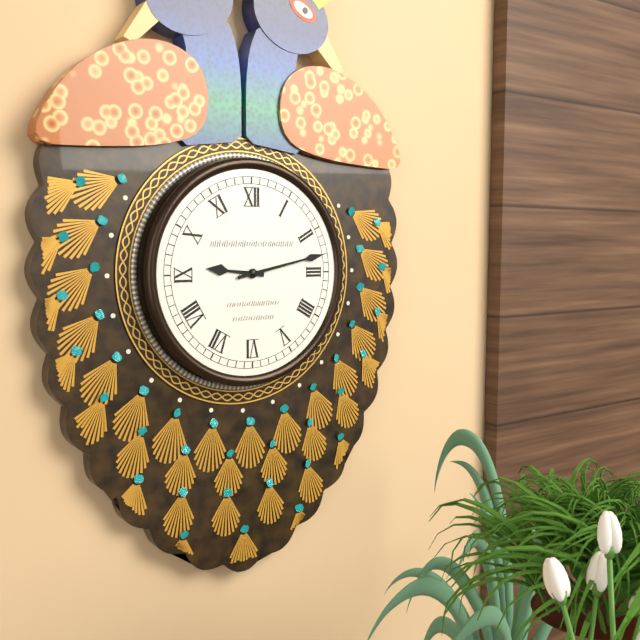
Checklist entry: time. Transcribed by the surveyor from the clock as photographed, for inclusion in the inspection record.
9:13
